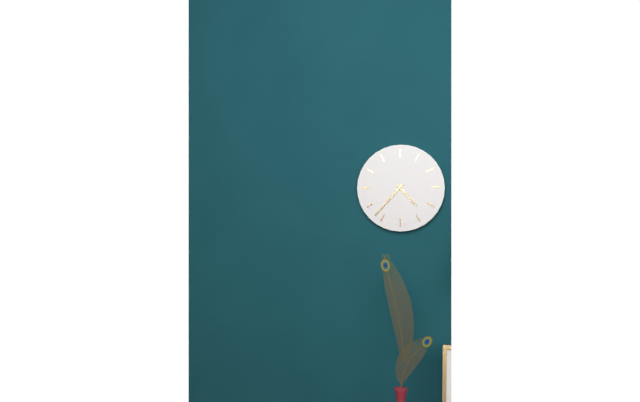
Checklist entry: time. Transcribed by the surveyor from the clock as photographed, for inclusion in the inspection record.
4:37
